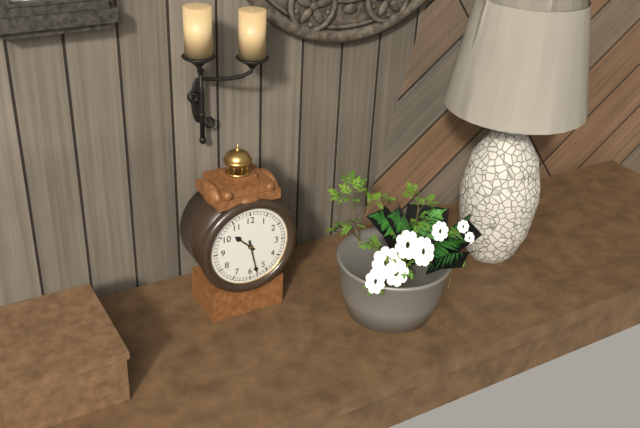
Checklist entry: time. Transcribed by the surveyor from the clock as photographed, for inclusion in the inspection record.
10:28
